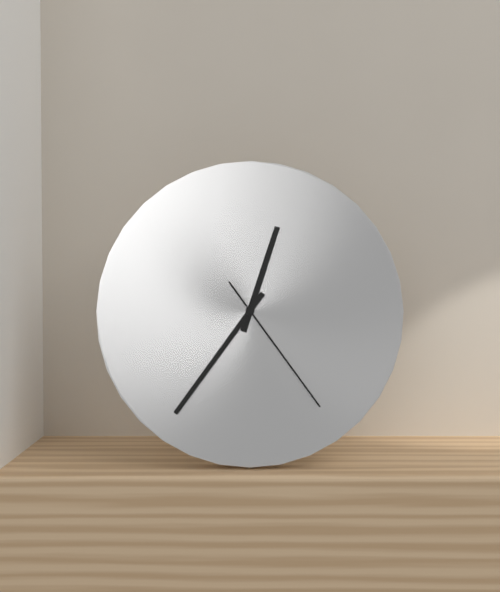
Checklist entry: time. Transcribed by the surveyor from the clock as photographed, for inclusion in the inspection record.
12:36:24
